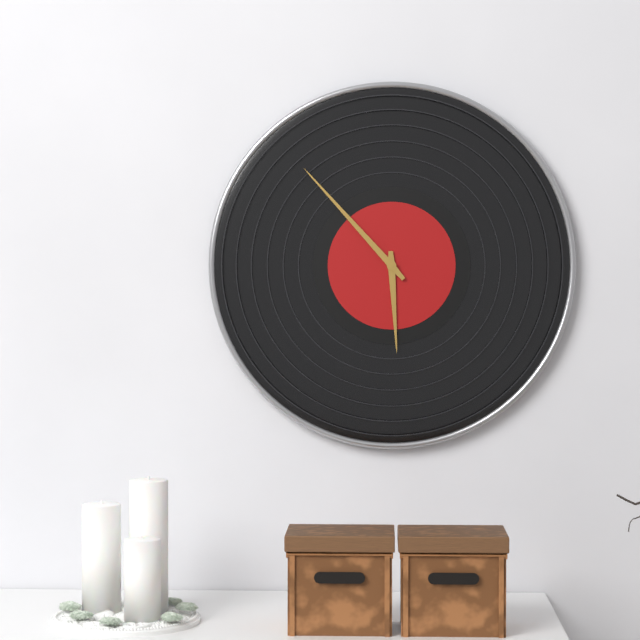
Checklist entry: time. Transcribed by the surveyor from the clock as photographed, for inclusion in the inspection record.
5:53
